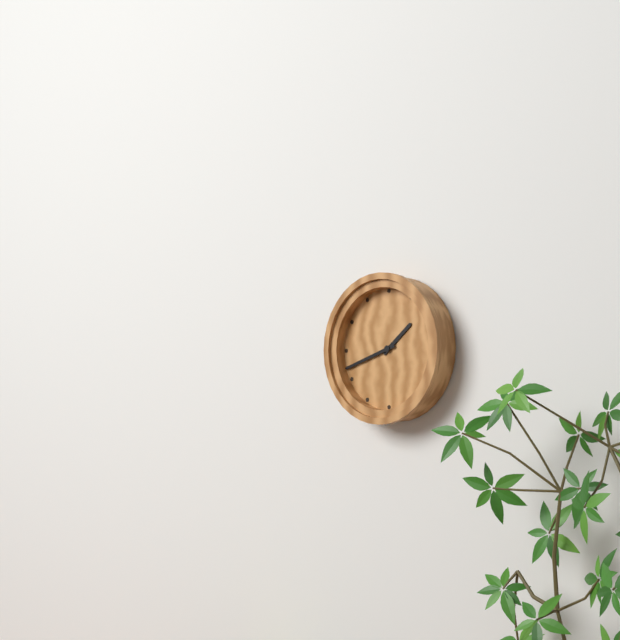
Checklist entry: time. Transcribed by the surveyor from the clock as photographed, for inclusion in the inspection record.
1:42
